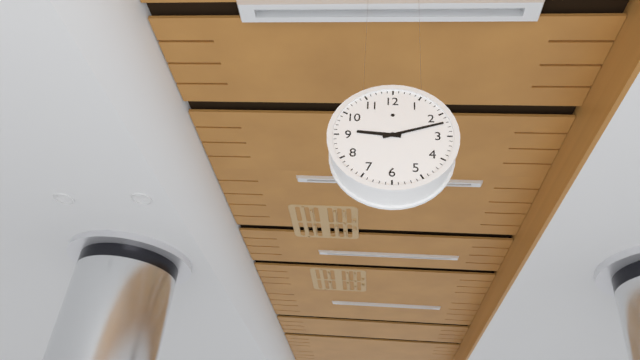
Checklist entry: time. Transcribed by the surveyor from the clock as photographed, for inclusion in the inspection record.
9:12
